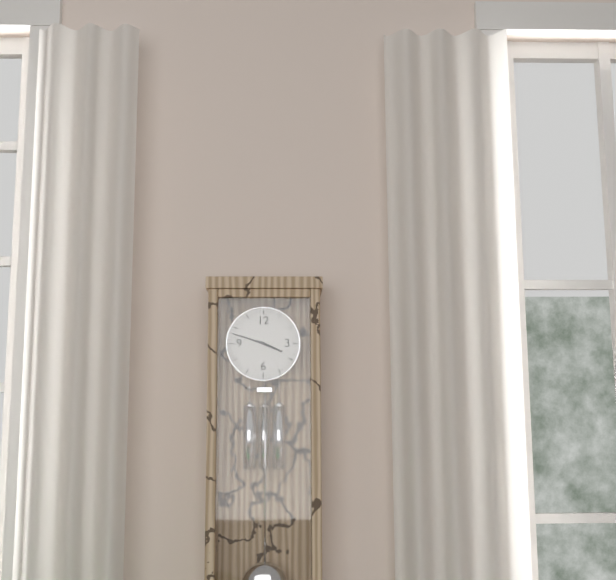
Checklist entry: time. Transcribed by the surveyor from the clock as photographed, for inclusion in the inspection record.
3:48
